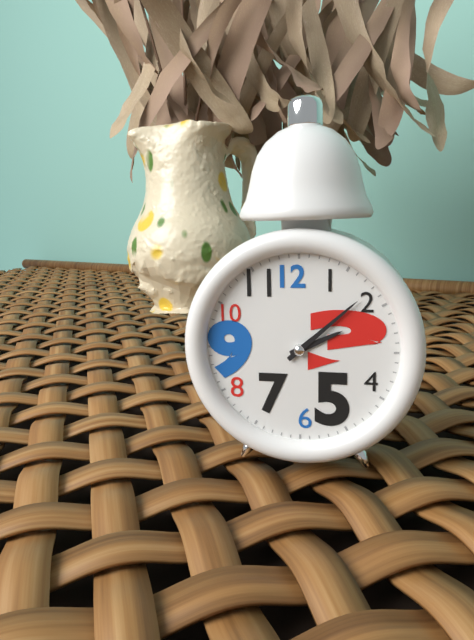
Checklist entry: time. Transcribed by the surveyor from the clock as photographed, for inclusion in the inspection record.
2:08
